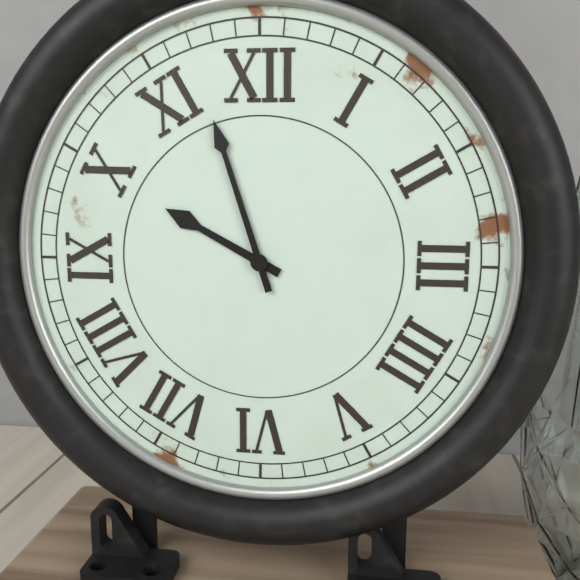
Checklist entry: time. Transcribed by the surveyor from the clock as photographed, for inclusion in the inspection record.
9:57
